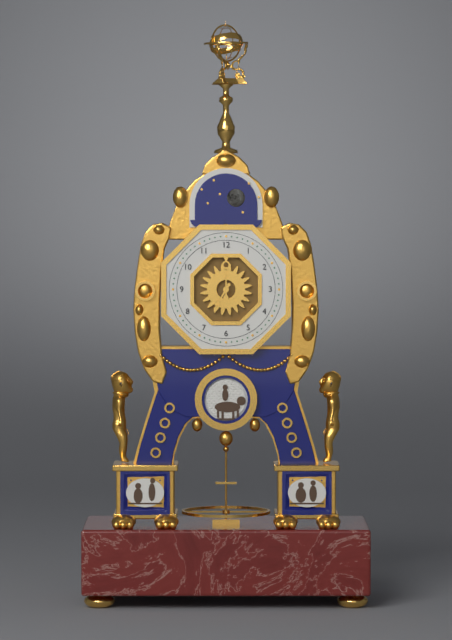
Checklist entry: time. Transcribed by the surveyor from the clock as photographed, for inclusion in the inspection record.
7:00
